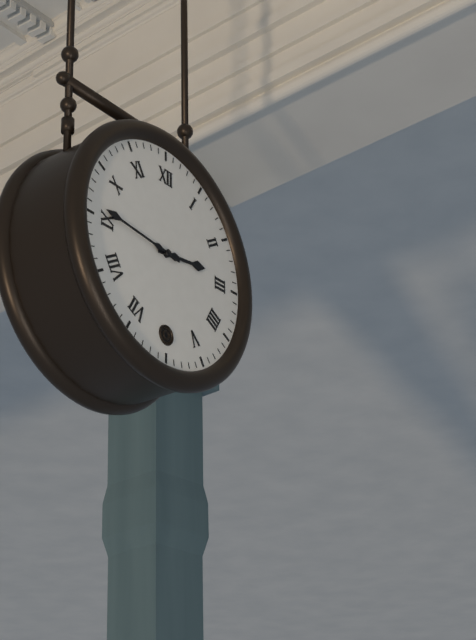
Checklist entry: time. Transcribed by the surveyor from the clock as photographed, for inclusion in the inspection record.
2:46
